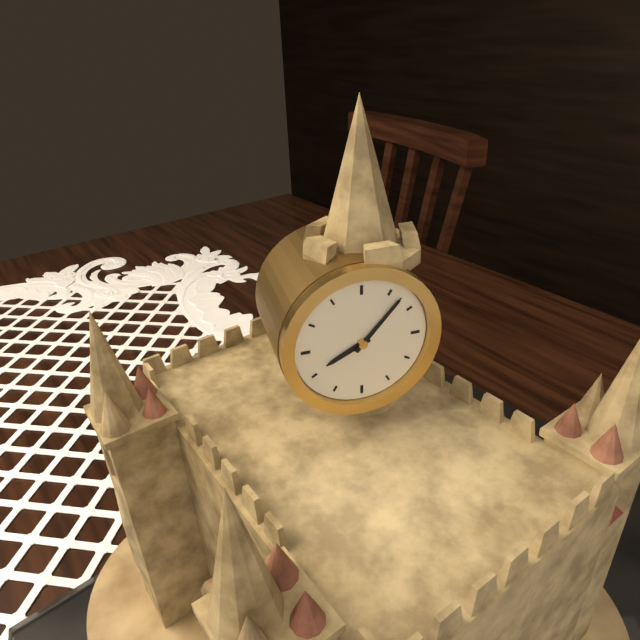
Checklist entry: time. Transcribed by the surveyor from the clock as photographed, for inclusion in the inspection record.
8:07
